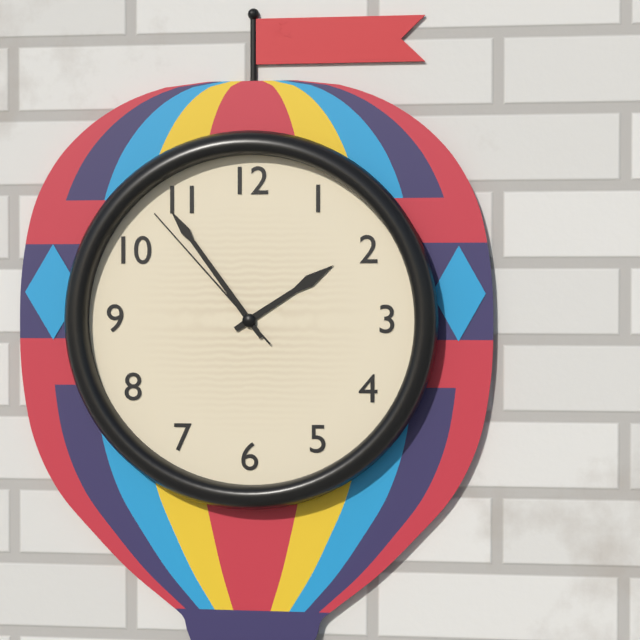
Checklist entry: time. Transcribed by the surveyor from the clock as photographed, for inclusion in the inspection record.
1:54:53
